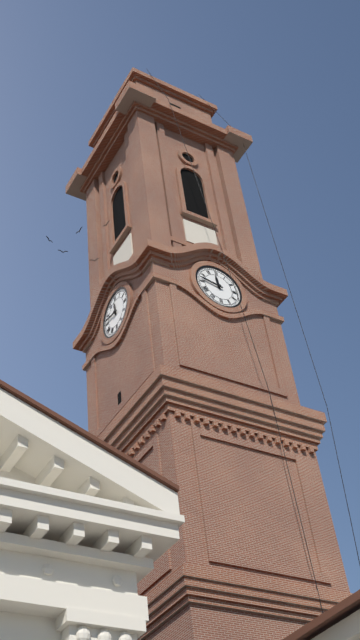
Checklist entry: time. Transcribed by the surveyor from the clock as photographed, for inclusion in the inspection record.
11:47
